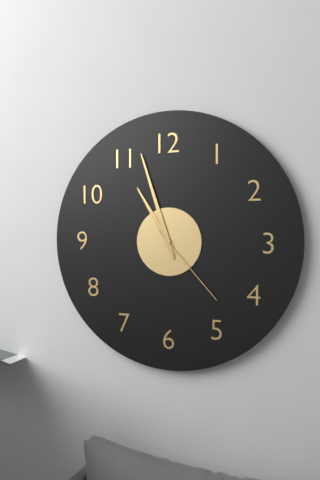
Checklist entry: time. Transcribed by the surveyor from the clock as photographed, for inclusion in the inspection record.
10:57:23
